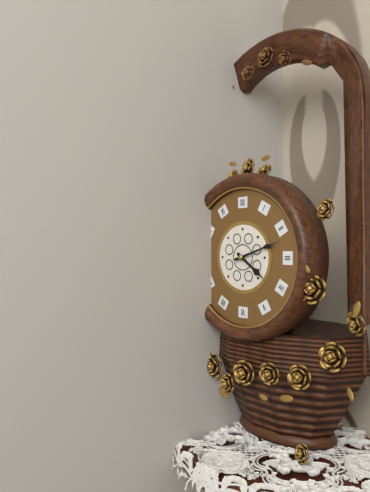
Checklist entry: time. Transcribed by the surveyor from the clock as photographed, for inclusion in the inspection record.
4:12
